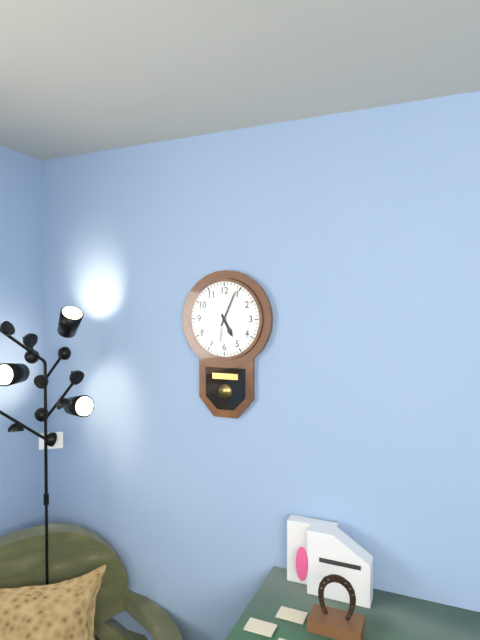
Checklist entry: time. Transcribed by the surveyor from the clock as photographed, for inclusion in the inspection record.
5:04
